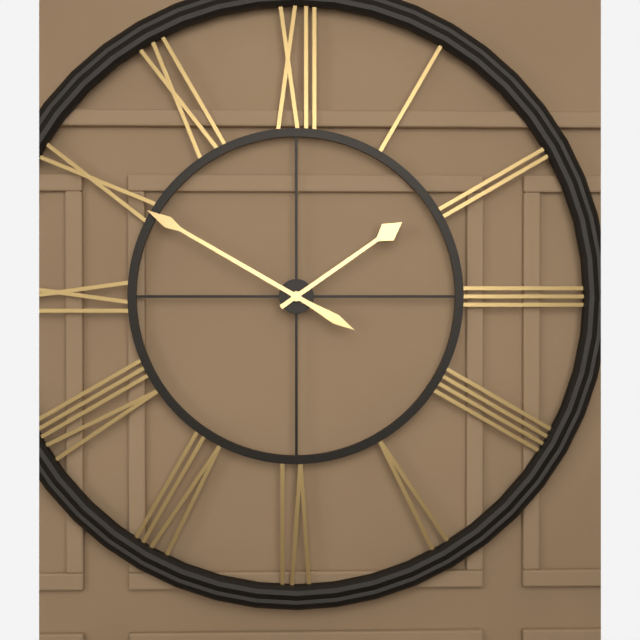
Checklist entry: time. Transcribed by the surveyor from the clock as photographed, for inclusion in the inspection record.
1:50
